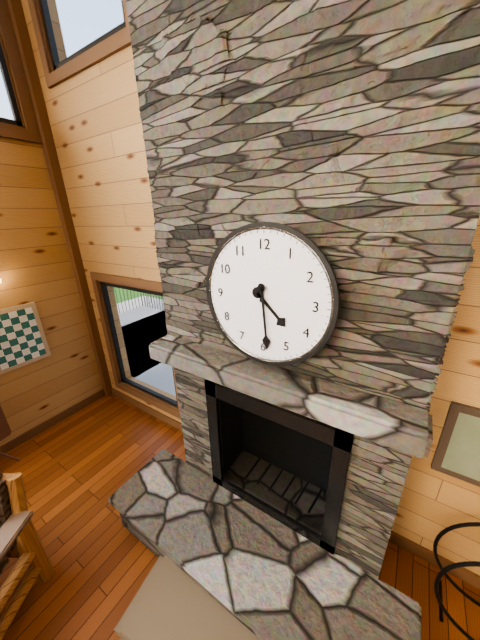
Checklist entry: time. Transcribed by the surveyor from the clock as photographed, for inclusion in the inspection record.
4:29
